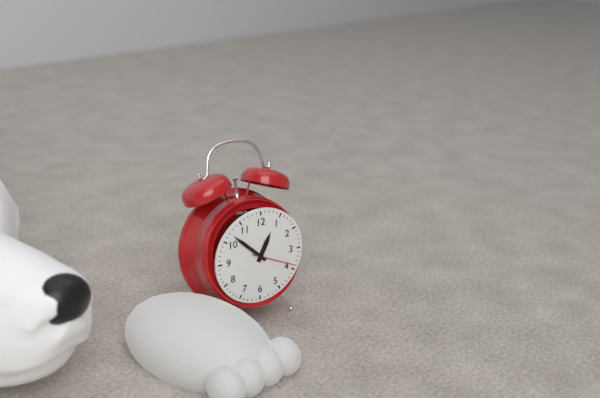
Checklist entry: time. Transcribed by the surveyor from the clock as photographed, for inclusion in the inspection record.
12:52:19
